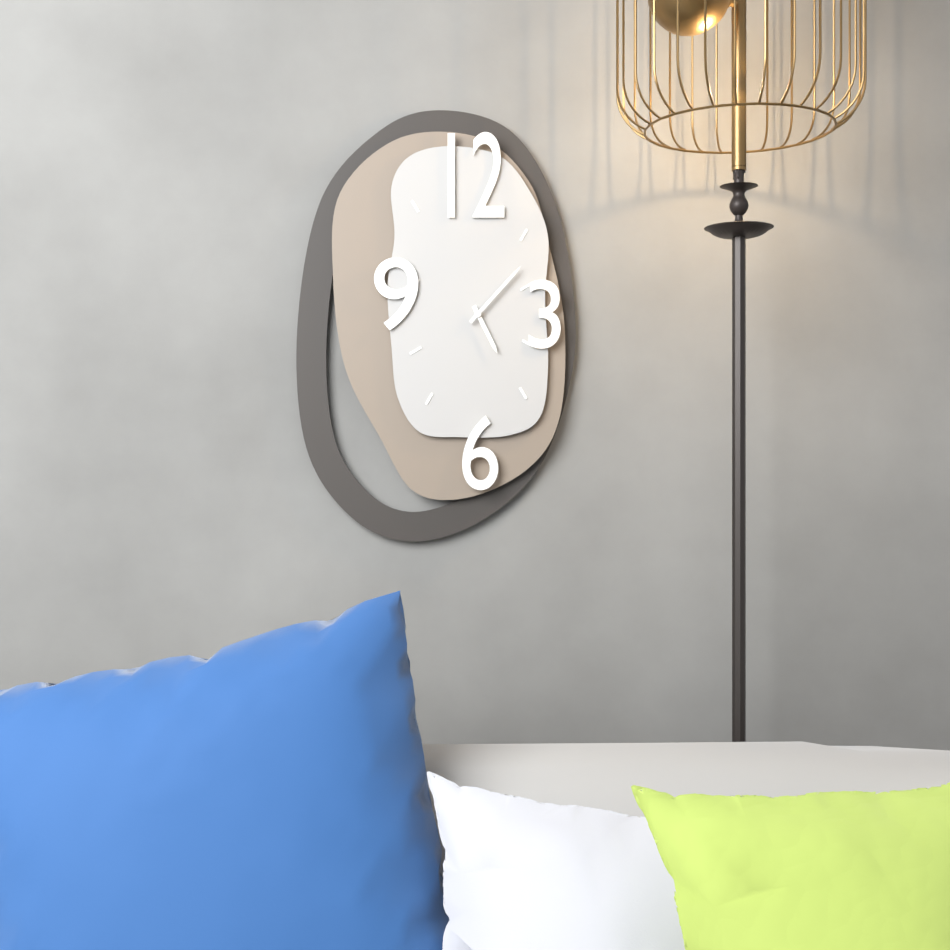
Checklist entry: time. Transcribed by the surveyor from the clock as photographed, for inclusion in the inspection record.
5:07
